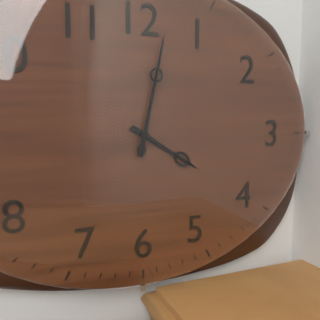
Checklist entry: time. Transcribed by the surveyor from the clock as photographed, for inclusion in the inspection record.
4:02
